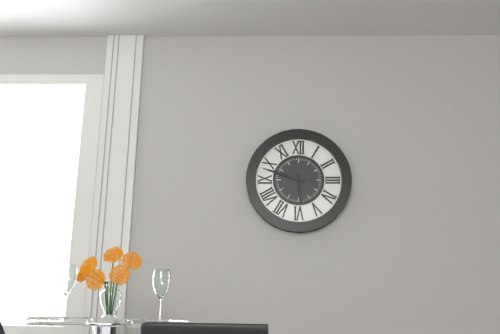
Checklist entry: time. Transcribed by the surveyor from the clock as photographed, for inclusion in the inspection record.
5:48
